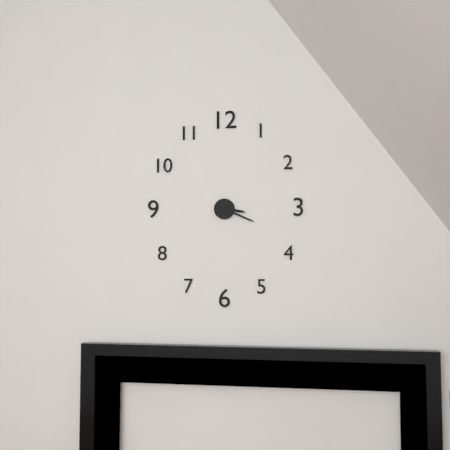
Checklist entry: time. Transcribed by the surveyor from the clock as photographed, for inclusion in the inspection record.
3:19
